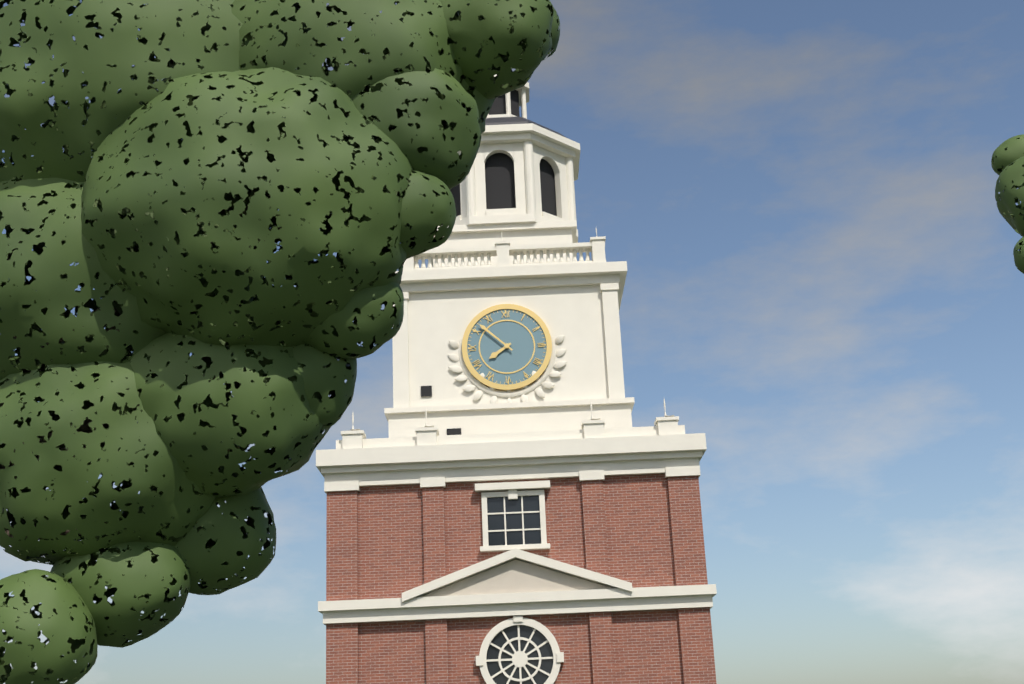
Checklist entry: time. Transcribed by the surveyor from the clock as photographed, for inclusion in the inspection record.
7:52
